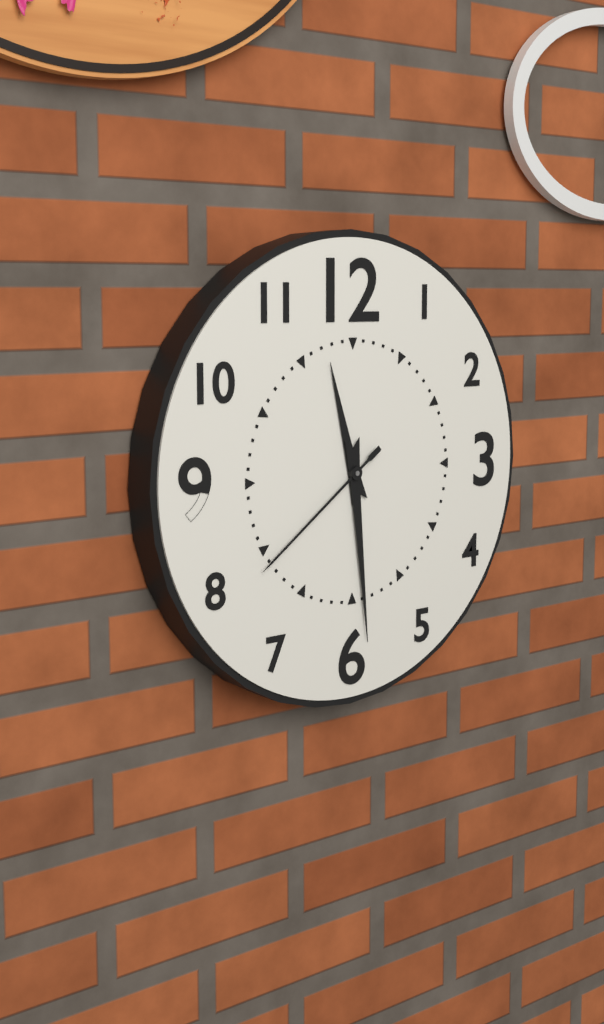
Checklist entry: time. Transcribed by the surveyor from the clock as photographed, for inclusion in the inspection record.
11:29:39
